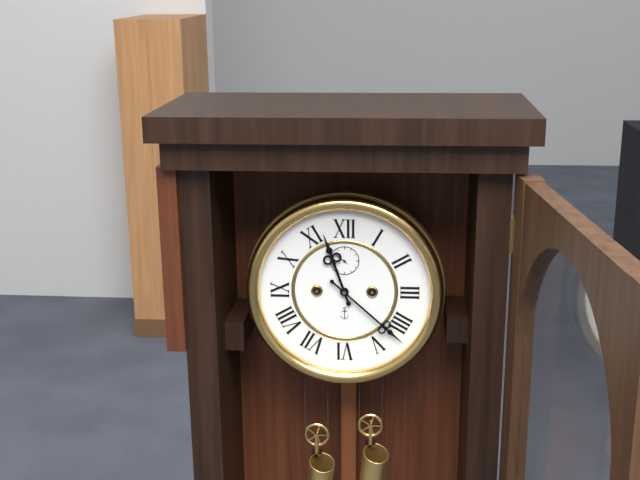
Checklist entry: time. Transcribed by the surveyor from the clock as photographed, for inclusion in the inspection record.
11:22
